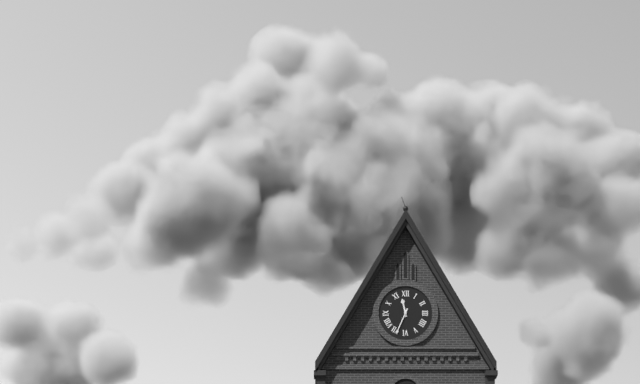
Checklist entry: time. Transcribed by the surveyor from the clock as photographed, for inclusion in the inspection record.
11:34
